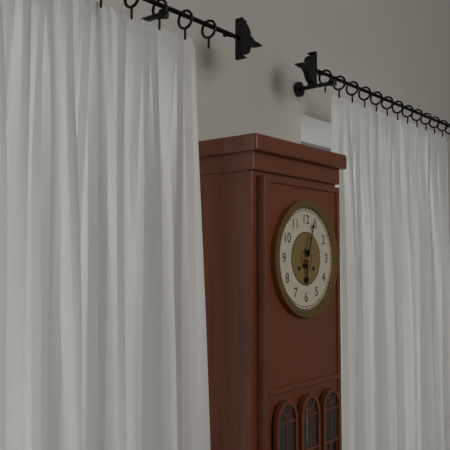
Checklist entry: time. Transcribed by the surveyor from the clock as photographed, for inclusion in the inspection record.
6:03
